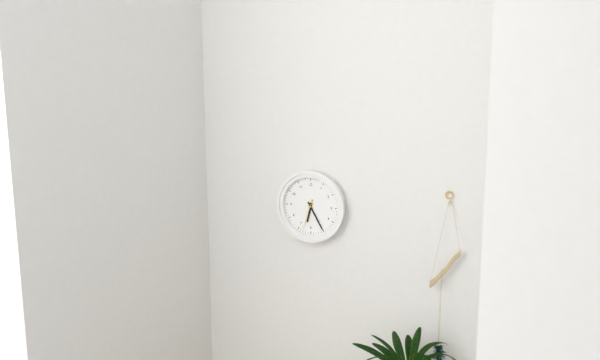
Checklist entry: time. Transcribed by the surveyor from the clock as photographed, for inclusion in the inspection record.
6:25
